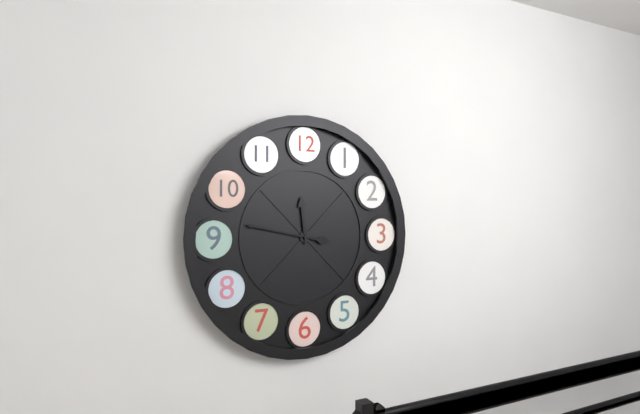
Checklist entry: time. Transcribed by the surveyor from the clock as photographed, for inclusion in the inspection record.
11:47
